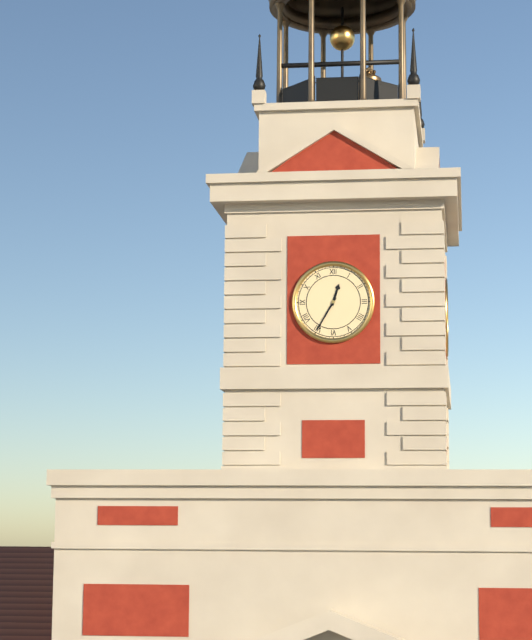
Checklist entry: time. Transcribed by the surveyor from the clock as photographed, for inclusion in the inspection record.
12:35
